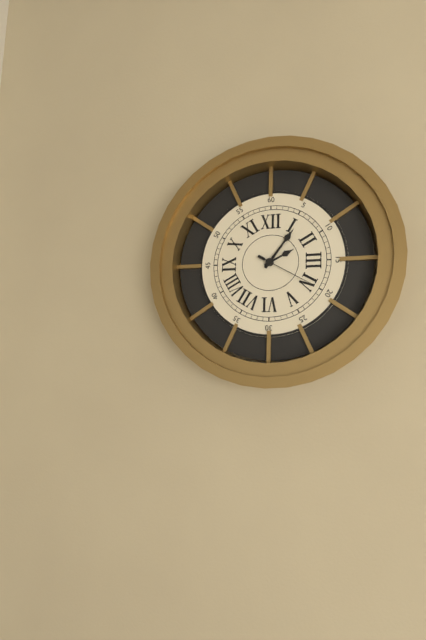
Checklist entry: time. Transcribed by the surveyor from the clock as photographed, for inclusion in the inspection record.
2:06:20
